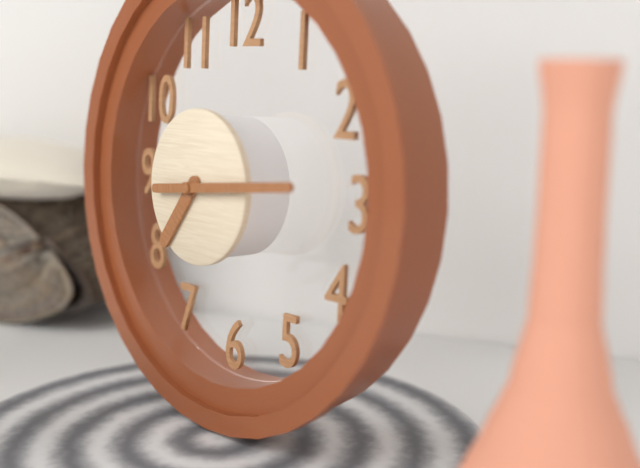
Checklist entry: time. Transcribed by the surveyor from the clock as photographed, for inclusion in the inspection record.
7:14
